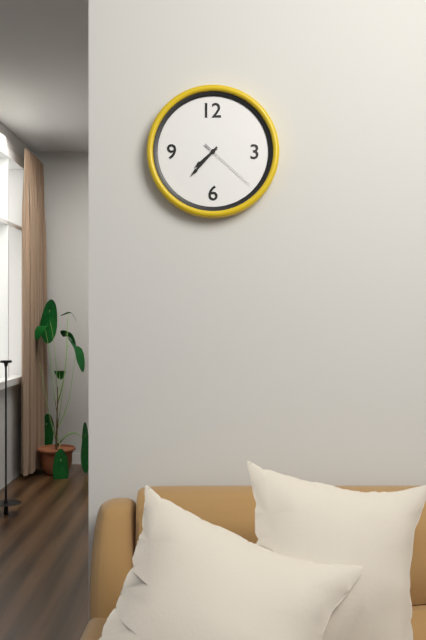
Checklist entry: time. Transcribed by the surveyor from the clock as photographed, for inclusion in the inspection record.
7:37:22
